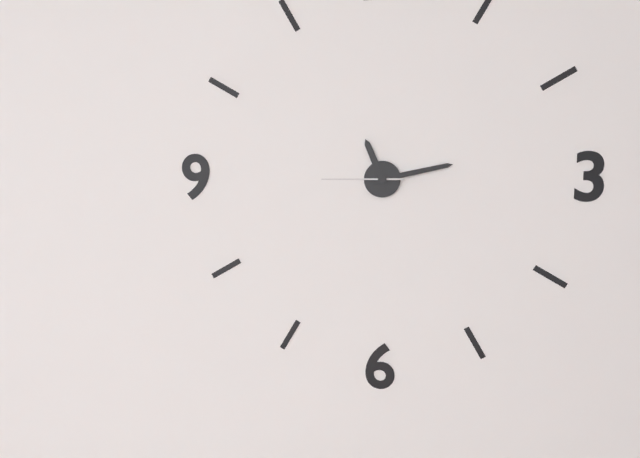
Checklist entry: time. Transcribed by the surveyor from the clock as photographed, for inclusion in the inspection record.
11:13:45
